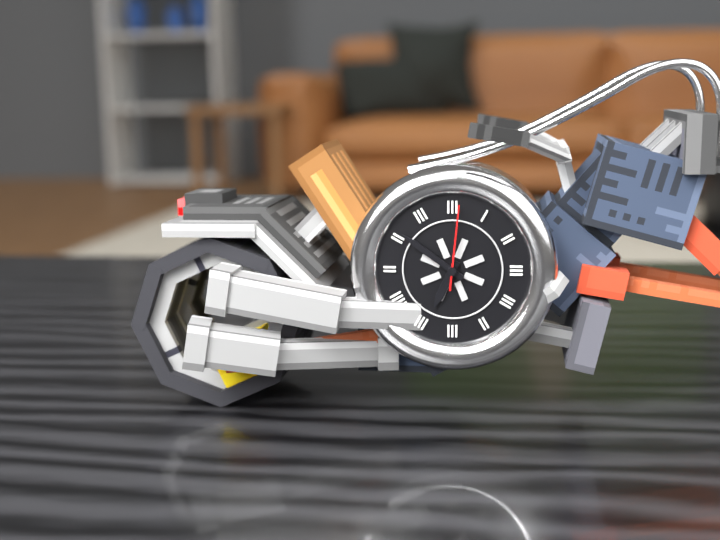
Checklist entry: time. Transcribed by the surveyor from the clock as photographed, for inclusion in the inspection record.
6:51:01
